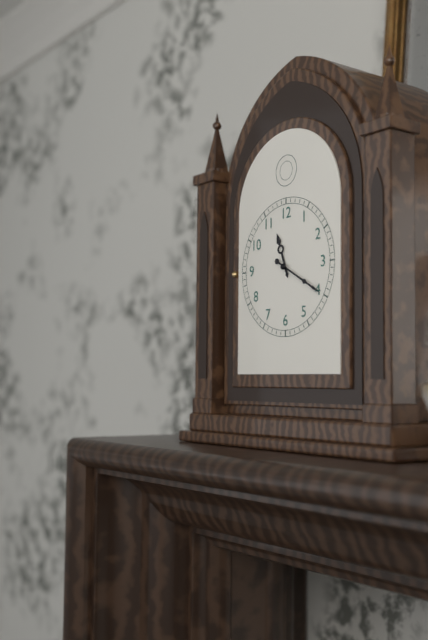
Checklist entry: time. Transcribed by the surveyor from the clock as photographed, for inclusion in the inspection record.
11:20
